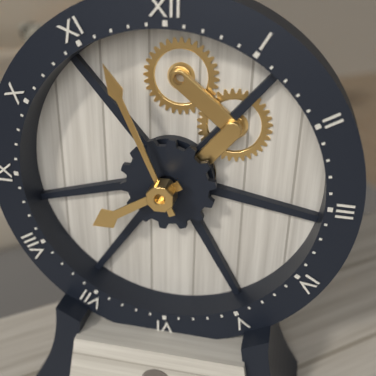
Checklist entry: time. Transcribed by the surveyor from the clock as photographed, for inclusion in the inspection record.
7:56
